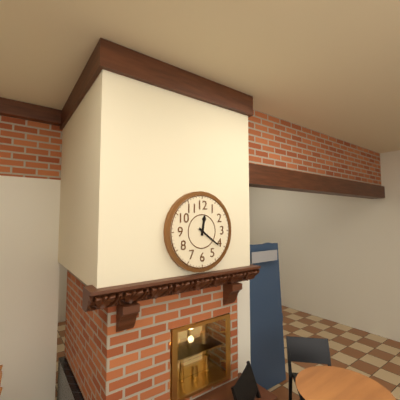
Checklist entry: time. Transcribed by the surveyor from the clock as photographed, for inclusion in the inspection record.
12:21
